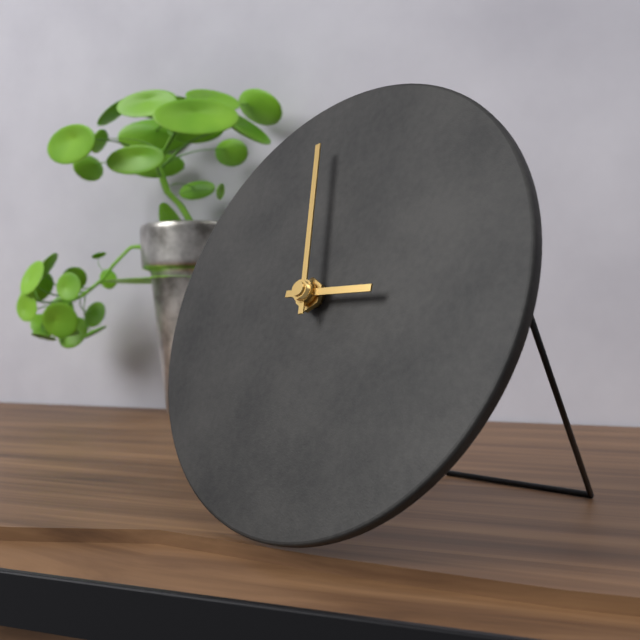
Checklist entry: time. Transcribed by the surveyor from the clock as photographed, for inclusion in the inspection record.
2:58
